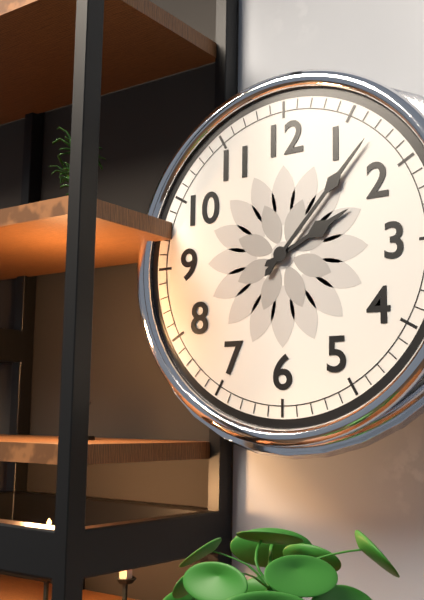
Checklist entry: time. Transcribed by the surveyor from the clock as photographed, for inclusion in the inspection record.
2:07
